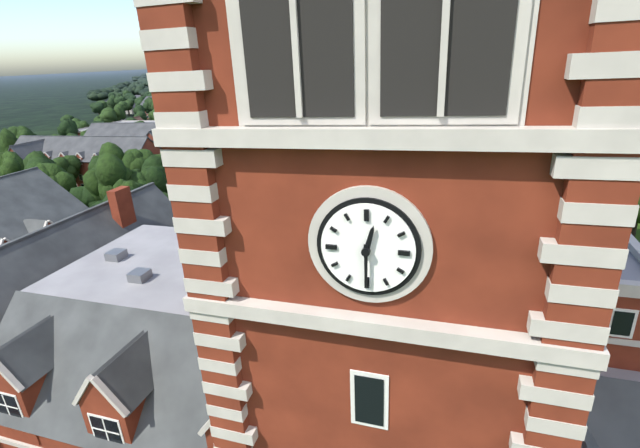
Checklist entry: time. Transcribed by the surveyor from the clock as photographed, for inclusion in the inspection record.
12:30
